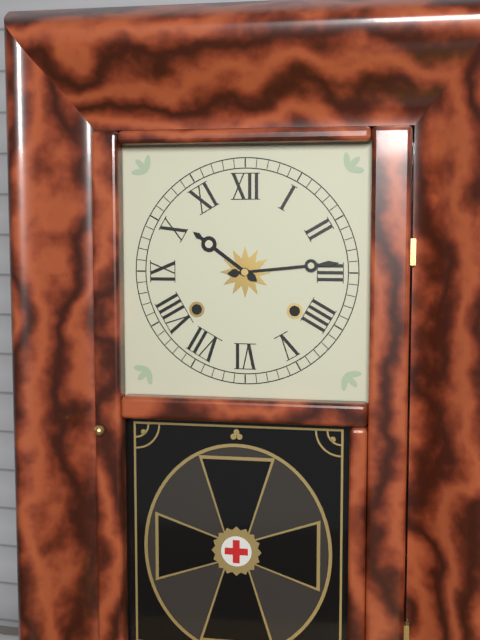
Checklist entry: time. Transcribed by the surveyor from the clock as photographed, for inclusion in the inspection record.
10:14
